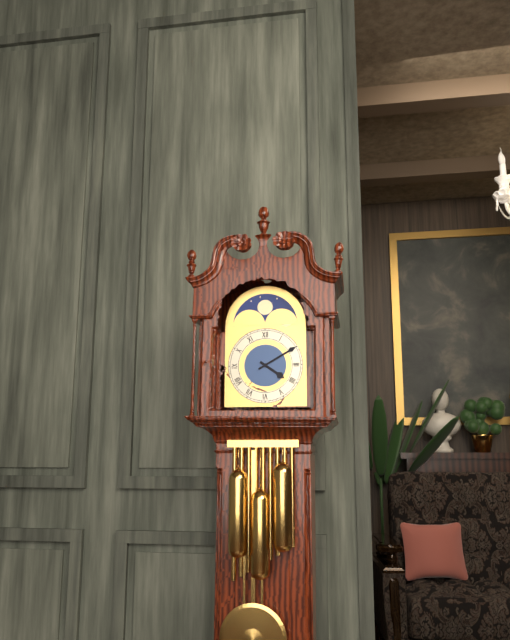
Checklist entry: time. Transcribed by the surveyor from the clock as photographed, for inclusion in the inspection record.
4:10
